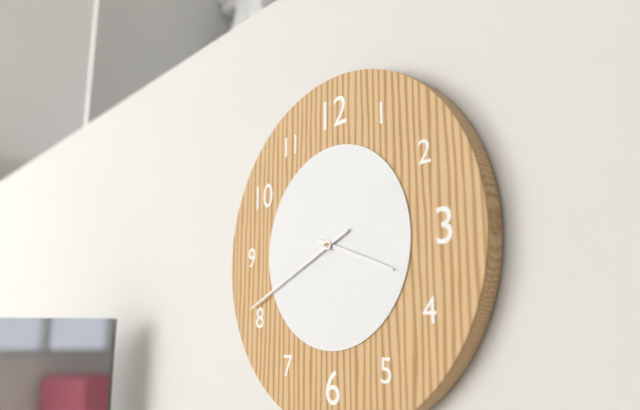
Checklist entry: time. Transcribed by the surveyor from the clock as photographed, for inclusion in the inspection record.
3:41
